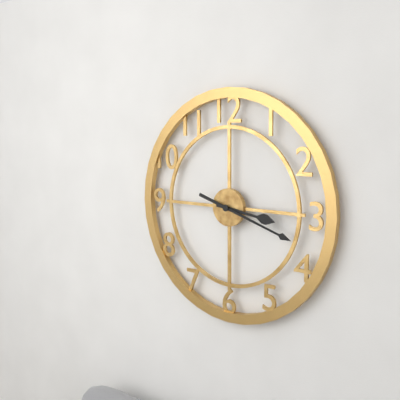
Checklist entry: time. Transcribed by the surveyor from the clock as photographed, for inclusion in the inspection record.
3:18
